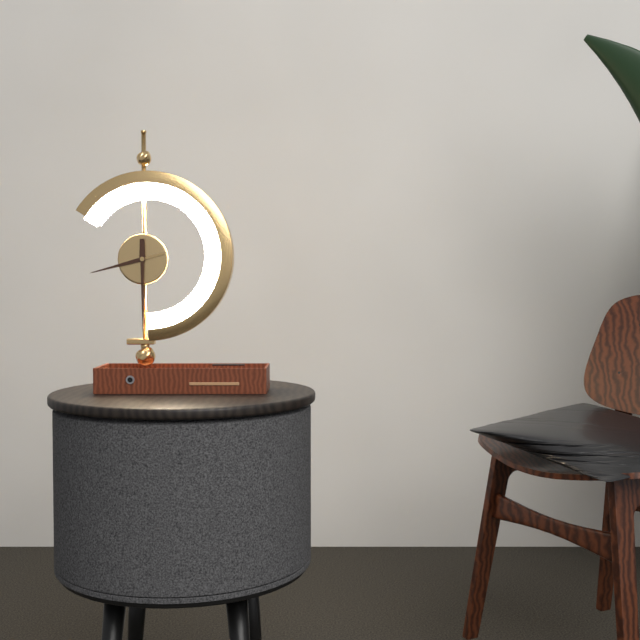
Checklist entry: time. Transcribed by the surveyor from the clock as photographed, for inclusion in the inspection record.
8:30
